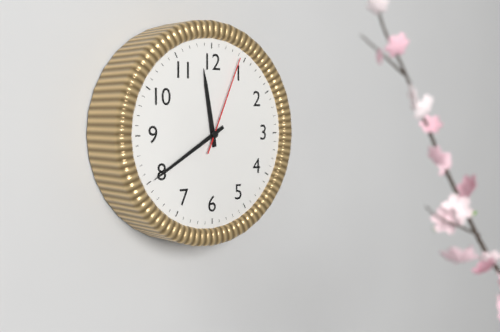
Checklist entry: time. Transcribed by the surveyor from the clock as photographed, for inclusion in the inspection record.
11:40:04
